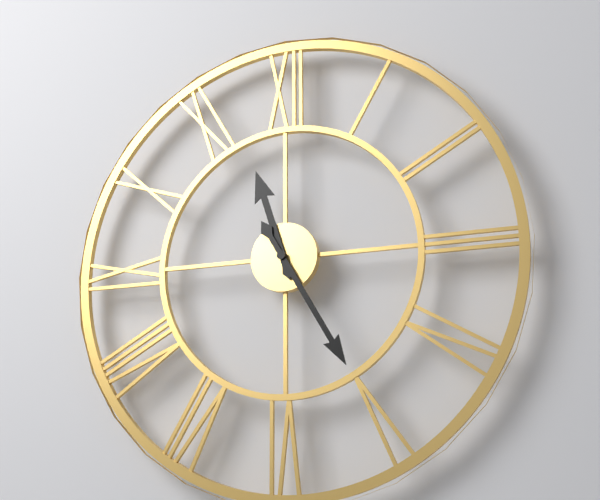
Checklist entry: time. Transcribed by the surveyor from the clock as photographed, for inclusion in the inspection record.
11:25
